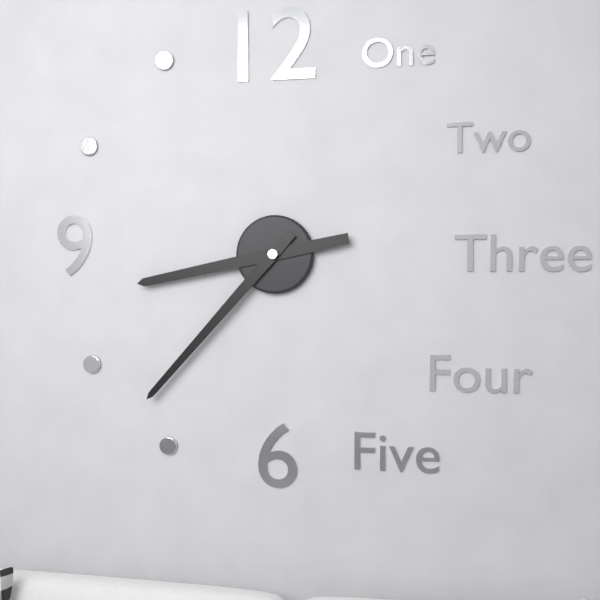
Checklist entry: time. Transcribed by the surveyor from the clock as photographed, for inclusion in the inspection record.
8:37
